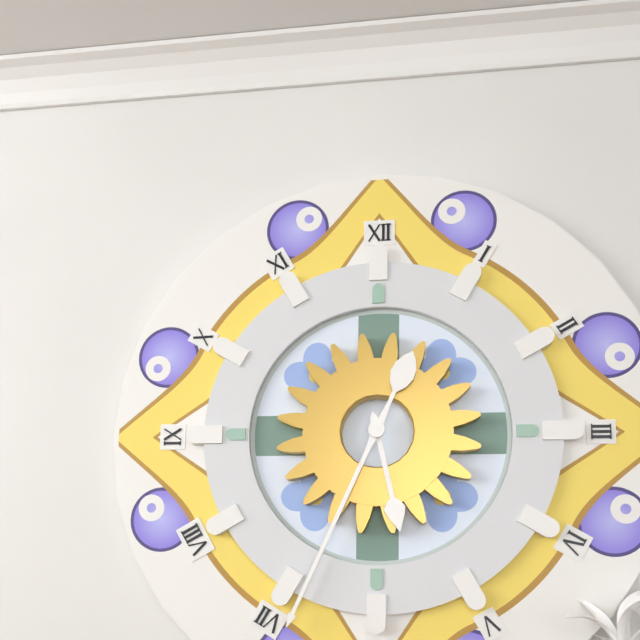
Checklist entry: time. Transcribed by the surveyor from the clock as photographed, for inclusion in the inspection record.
5:34
